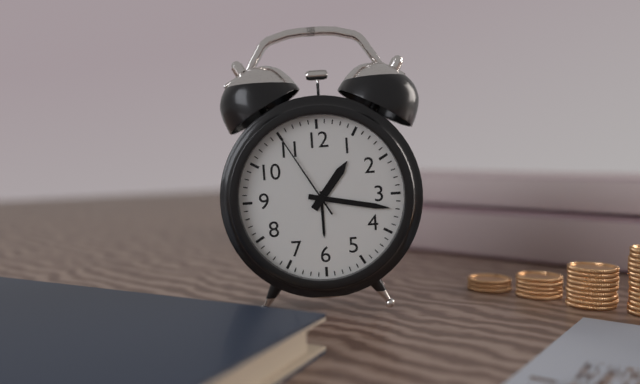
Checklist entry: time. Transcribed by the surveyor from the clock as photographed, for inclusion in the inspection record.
1:17:55
